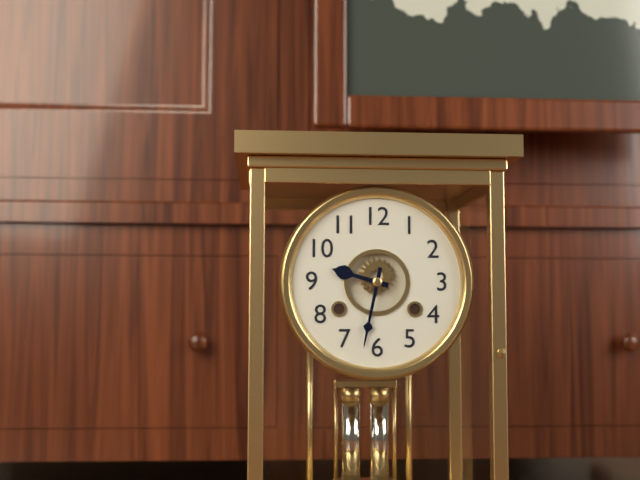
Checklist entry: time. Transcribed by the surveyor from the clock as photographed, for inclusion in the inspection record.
9:32
